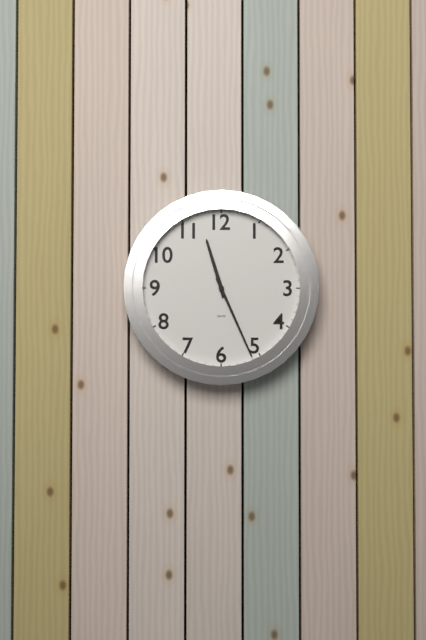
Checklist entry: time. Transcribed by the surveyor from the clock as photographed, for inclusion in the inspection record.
11:26
